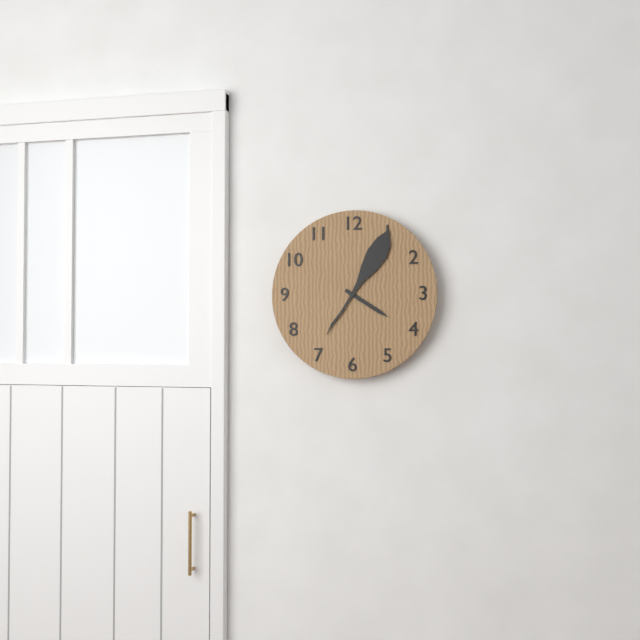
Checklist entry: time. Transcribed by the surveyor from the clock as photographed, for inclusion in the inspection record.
4:05
